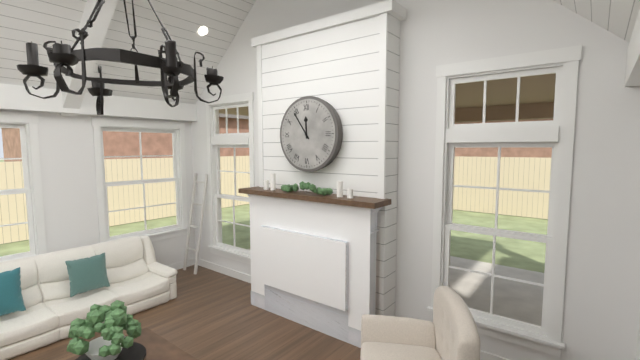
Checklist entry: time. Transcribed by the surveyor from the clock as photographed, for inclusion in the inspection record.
11:54
